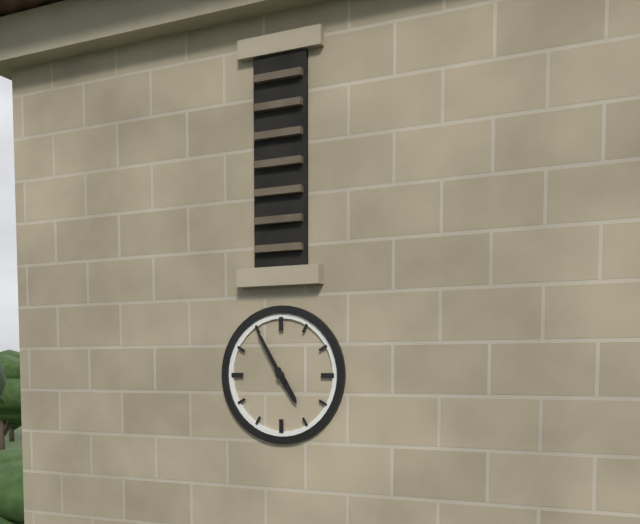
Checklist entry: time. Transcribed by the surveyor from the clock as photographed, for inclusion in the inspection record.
4:55
